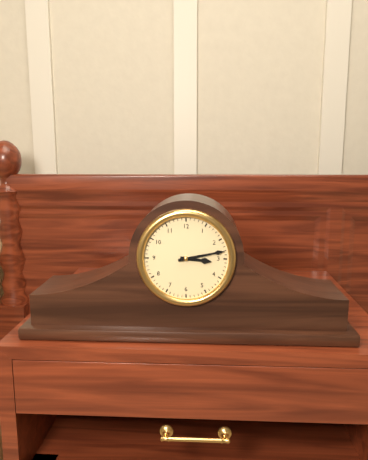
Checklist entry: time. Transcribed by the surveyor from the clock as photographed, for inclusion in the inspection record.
3:13
